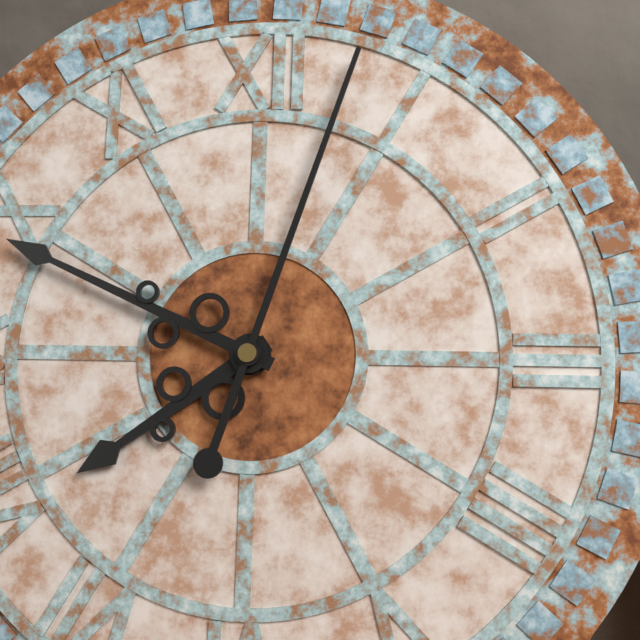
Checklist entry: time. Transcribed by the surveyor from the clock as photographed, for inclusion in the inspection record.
7:49:03
